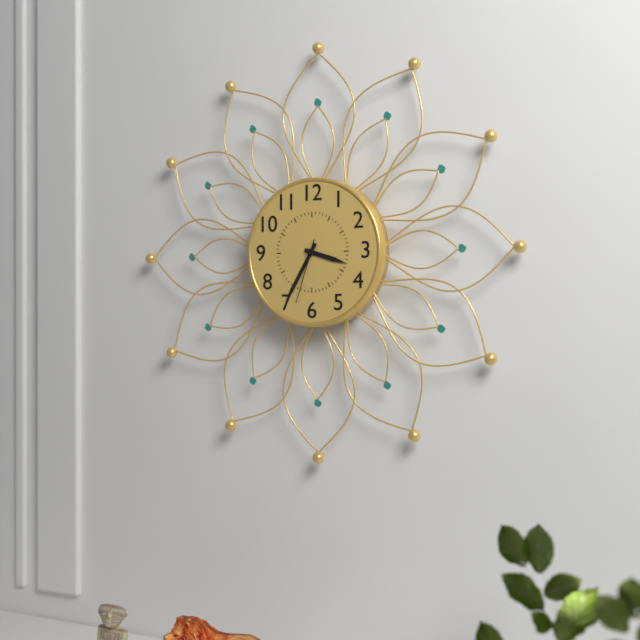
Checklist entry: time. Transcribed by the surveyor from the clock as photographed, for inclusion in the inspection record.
3:35:33
